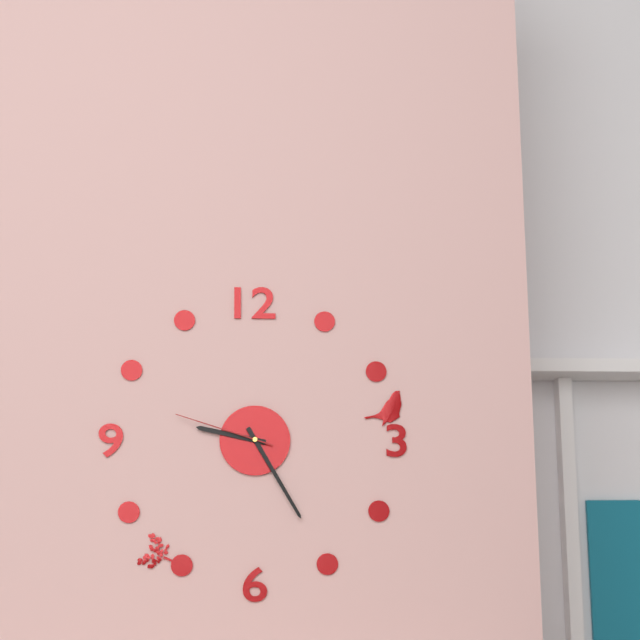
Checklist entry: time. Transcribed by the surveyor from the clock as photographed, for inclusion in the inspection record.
9:25:48
